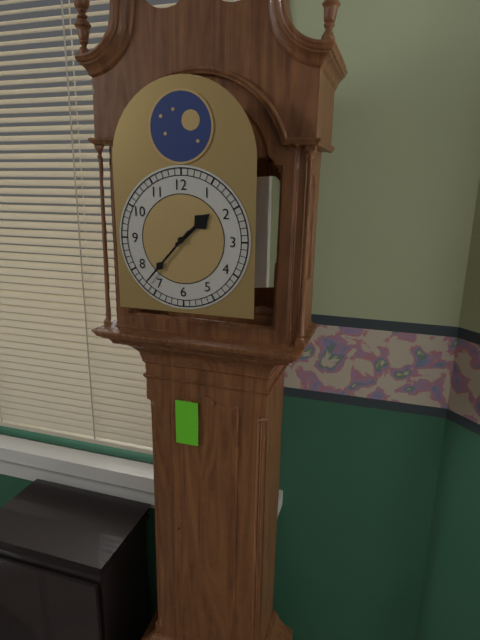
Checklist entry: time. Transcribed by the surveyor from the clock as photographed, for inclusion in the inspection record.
1:37
